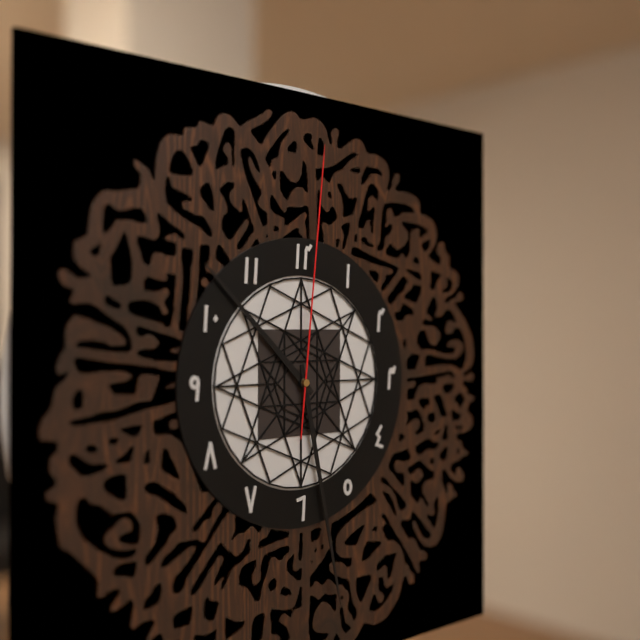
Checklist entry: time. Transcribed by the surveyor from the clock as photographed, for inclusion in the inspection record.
10:28:01
